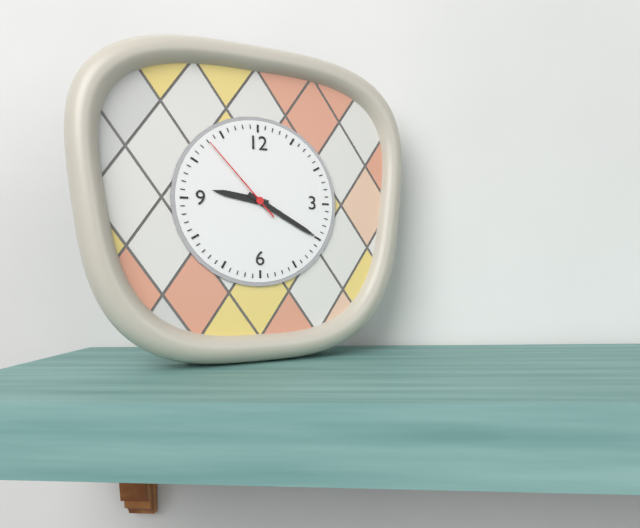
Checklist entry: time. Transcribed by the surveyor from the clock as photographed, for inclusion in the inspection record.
9:20:53
